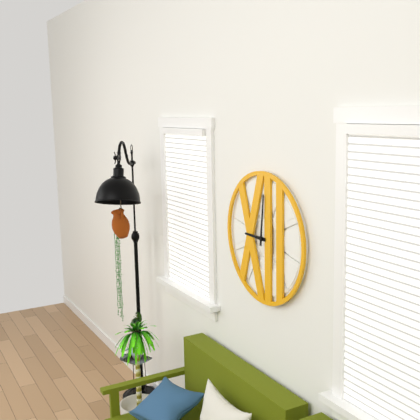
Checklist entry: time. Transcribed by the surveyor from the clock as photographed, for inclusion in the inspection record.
9:01
